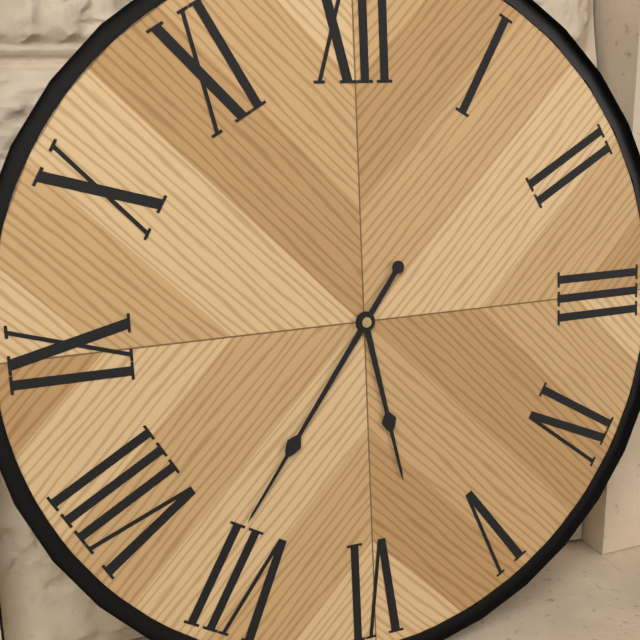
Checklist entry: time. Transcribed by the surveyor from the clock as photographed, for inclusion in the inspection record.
5:36
